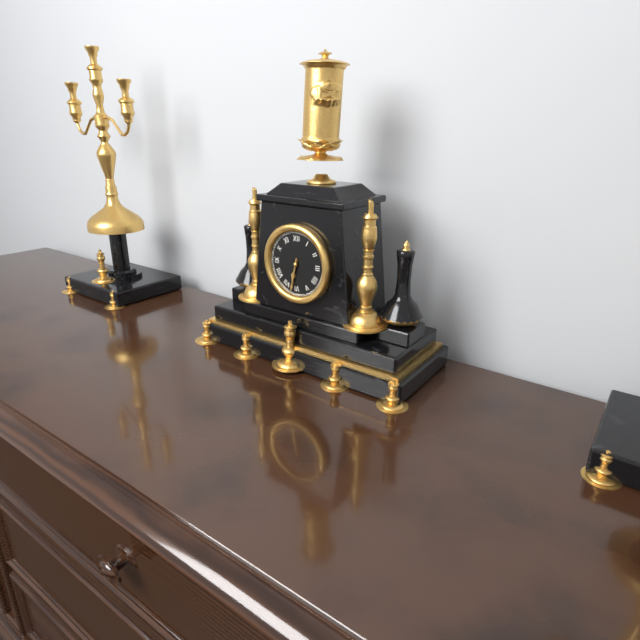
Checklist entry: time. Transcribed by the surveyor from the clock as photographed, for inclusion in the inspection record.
6:32
